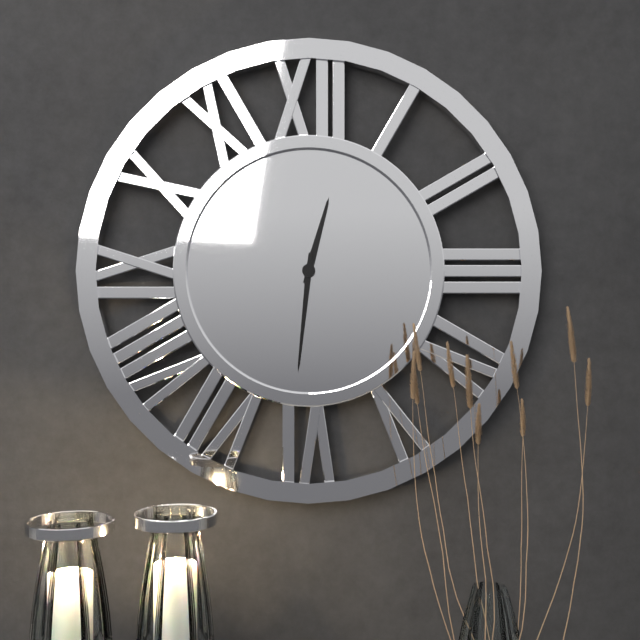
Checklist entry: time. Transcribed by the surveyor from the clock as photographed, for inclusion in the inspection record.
12:31
